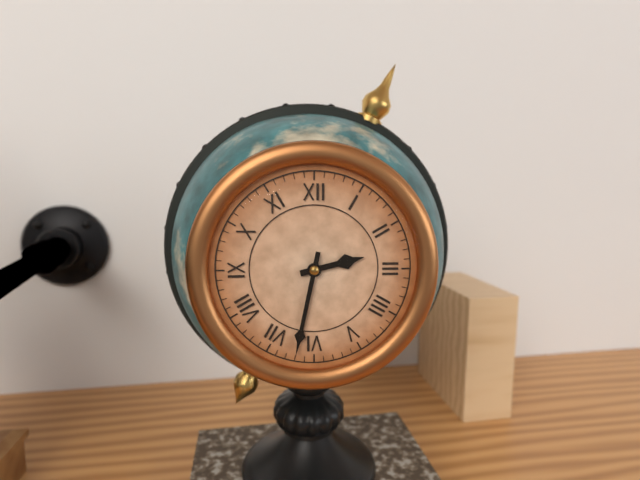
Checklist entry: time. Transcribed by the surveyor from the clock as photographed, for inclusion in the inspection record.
2:32
